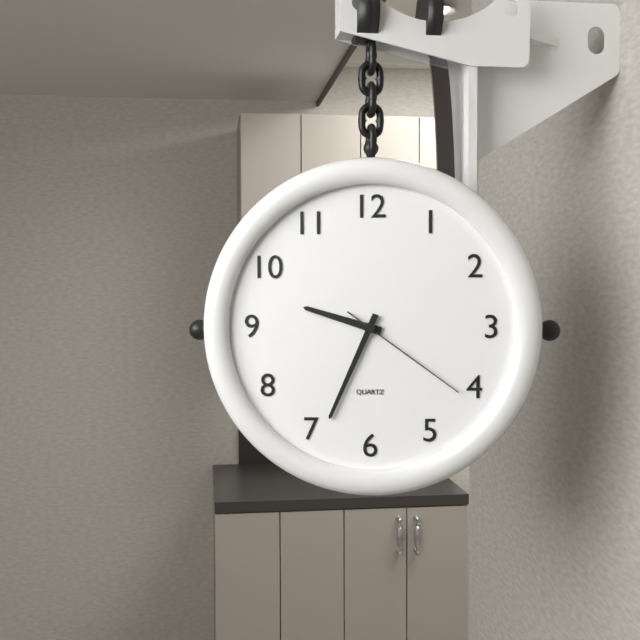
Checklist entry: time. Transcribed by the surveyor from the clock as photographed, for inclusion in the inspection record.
9:34:21
